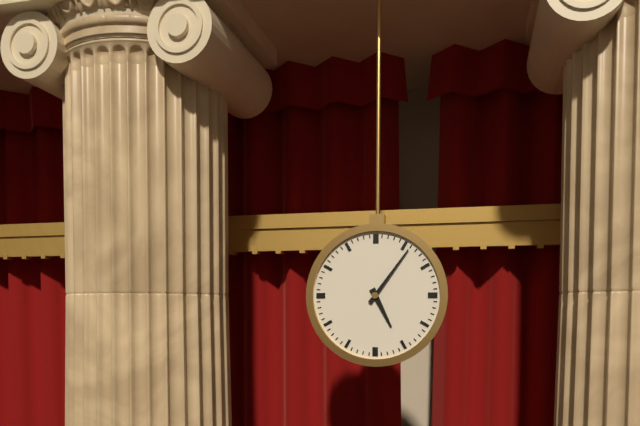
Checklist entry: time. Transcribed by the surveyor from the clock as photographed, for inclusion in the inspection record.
5:06
